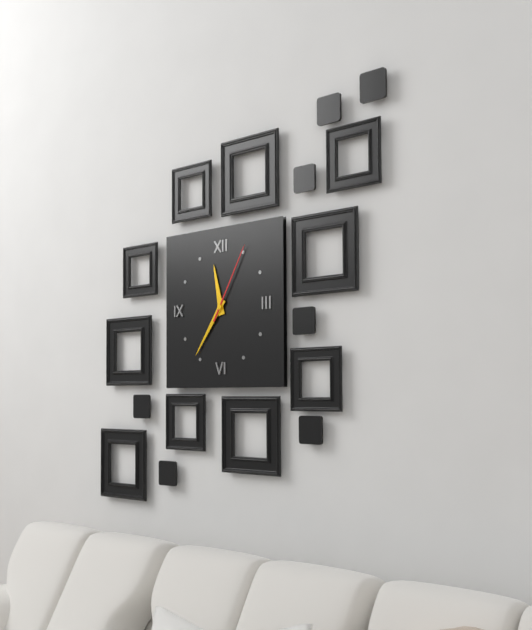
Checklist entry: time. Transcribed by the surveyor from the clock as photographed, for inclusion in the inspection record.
11:36:05
